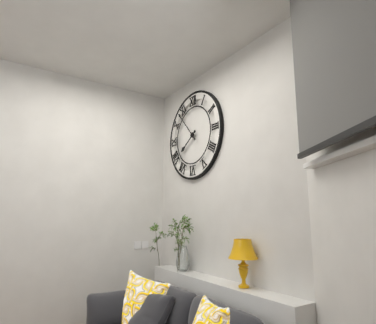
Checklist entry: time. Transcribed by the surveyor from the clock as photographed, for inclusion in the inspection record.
7:53
